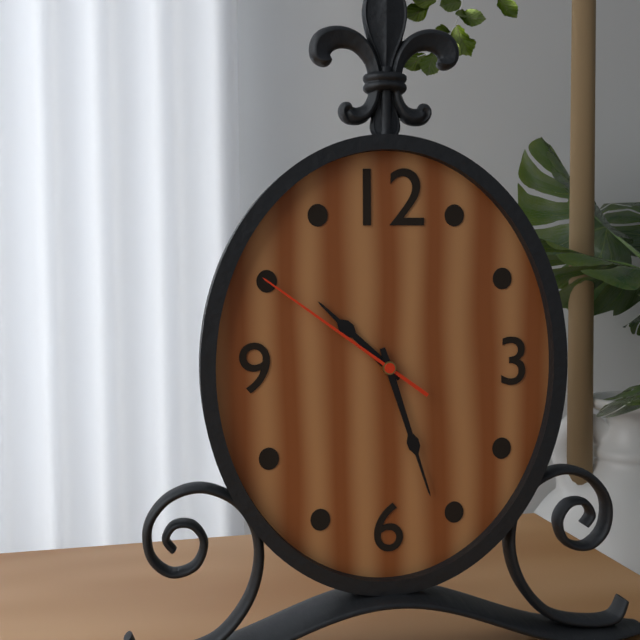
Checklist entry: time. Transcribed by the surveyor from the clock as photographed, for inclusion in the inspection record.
10:27:51
